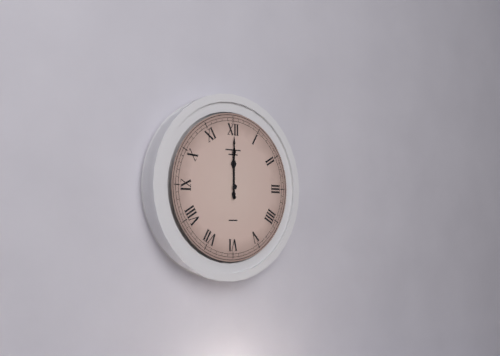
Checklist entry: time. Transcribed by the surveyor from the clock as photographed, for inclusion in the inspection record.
12:00
